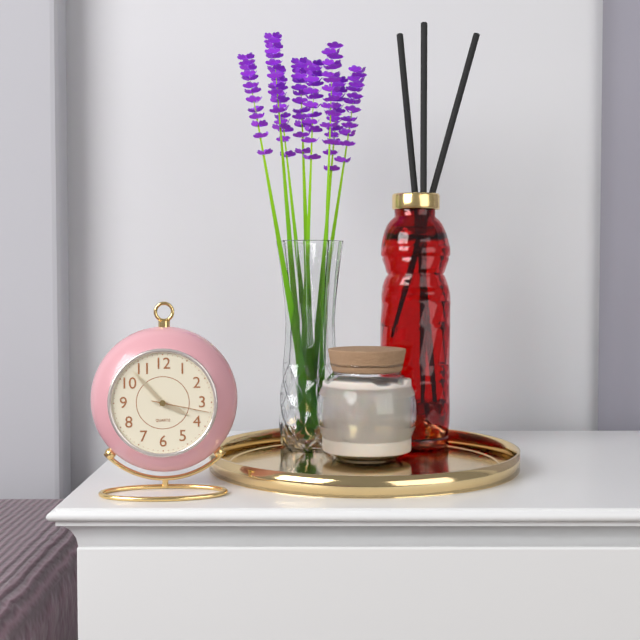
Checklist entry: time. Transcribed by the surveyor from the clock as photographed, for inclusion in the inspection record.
3:53:17
